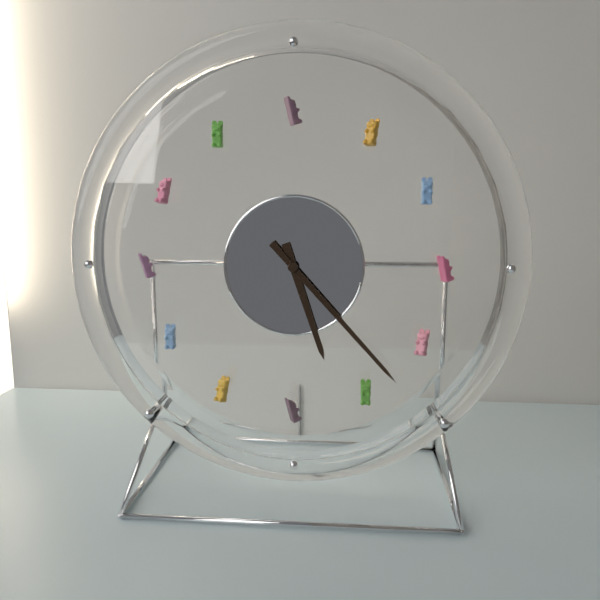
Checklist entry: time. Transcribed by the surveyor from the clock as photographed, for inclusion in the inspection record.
5:23
